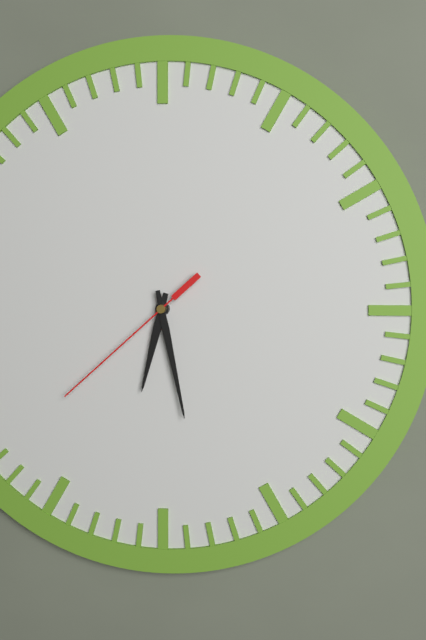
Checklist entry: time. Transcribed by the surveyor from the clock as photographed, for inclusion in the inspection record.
6:28:38
